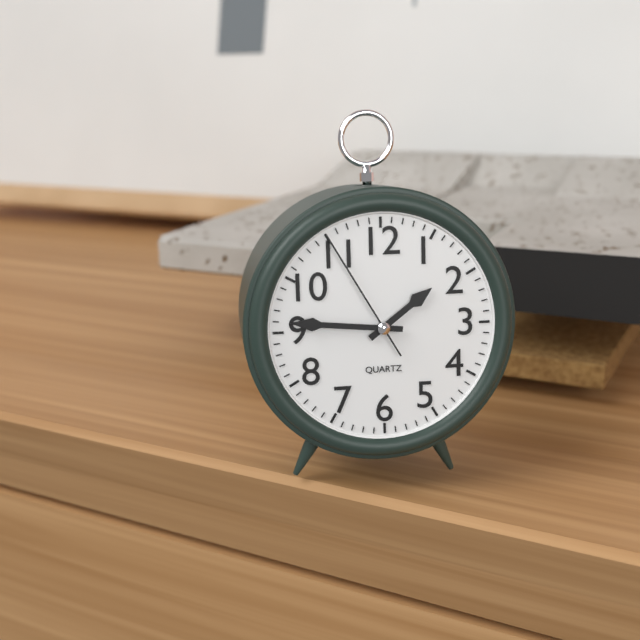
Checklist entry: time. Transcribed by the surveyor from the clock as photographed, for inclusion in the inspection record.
1:46:55
